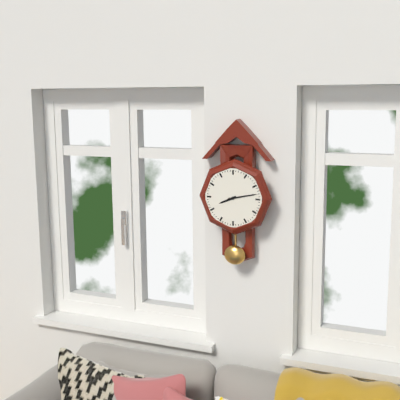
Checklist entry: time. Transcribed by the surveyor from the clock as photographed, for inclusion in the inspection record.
8:13
